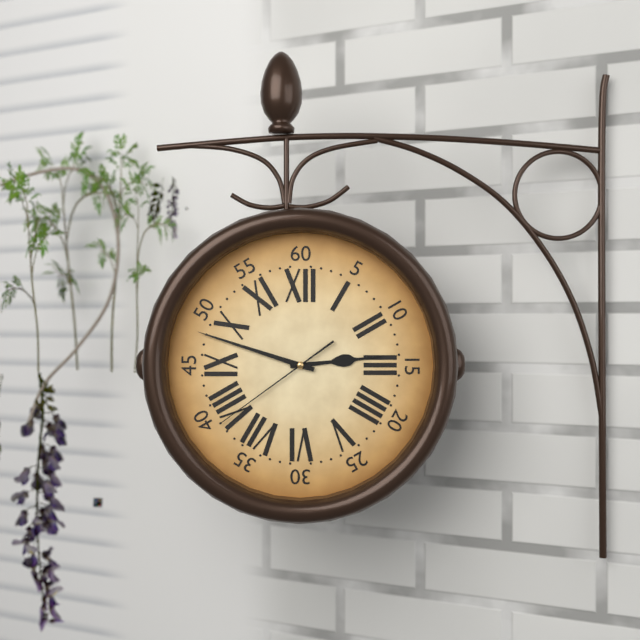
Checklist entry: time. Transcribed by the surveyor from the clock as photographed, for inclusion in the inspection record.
2:48:39
